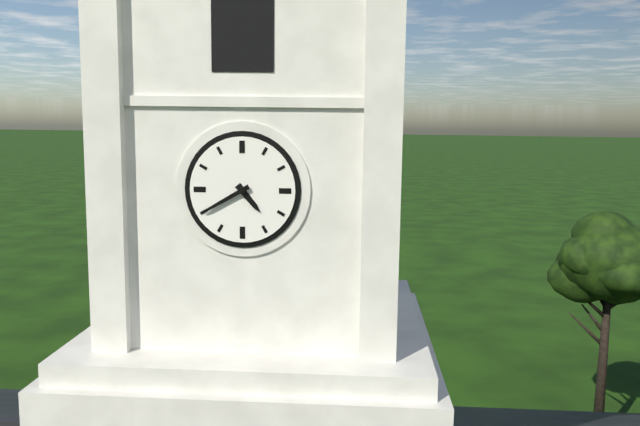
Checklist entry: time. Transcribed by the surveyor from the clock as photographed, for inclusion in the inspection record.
4:40
